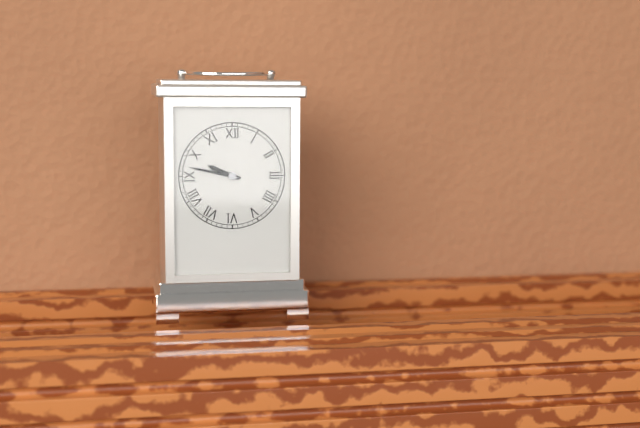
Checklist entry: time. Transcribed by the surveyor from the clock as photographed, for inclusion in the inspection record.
9:47
